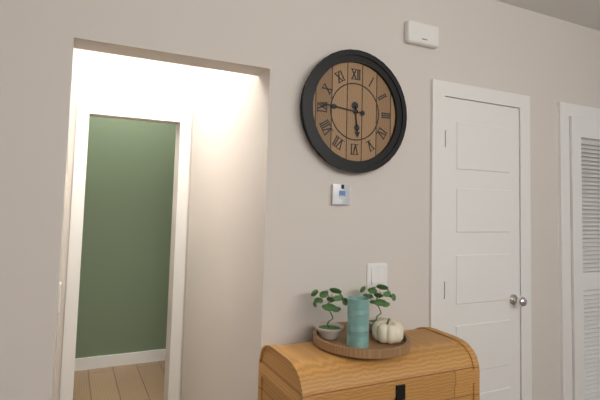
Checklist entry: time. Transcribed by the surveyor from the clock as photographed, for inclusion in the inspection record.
5:46
